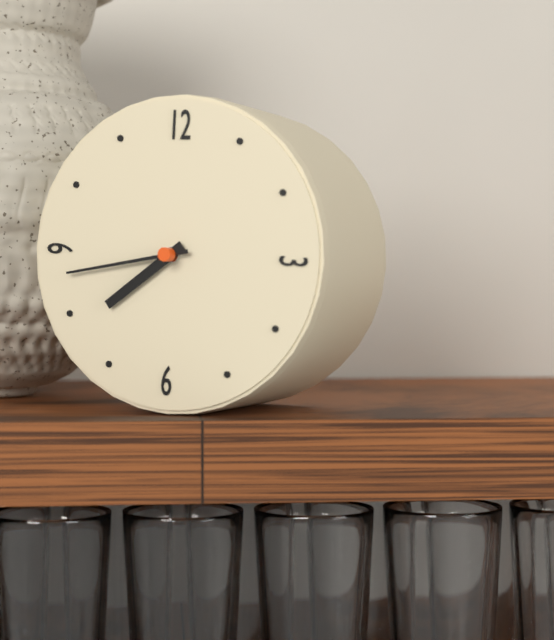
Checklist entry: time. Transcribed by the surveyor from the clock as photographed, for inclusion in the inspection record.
7:43
